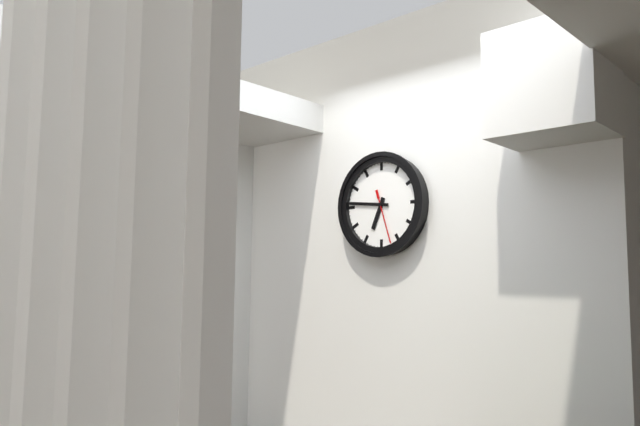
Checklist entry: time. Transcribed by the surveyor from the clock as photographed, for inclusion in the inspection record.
6:46:27
